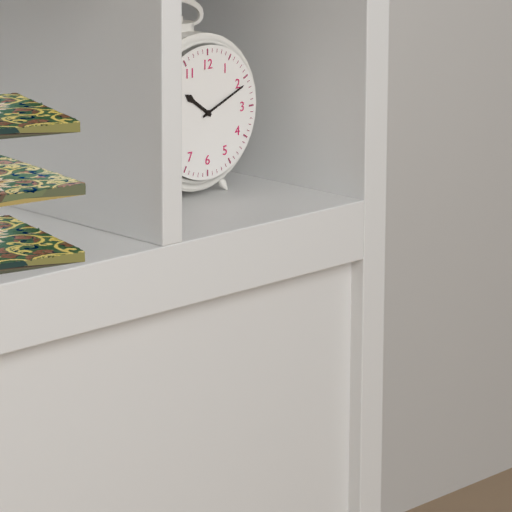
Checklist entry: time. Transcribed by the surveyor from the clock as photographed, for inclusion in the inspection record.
10:11
